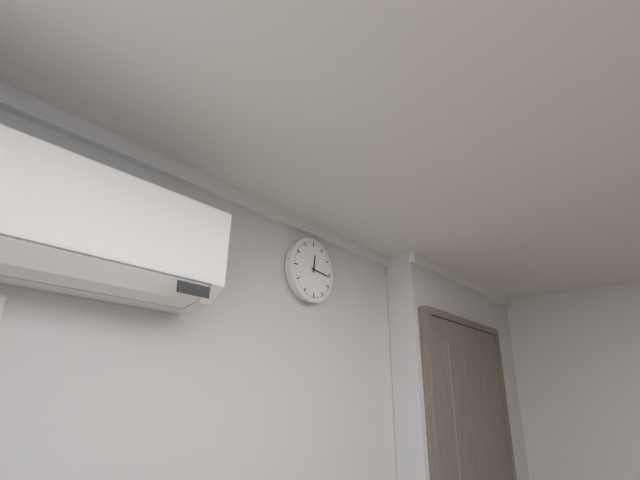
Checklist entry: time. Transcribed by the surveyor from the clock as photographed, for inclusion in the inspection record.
12:16
